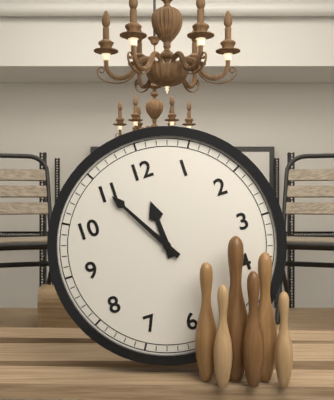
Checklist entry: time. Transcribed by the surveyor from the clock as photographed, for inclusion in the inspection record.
11:55
